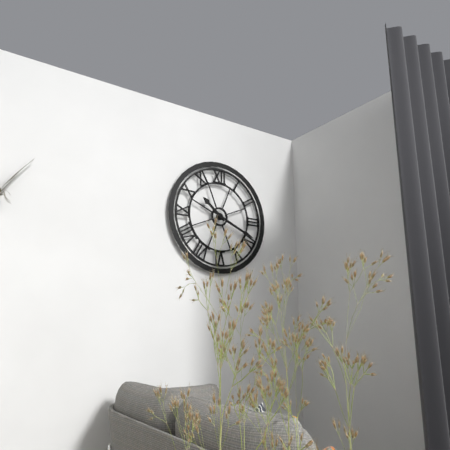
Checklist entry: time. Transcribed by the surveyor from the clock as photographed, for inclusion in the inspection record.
10:19
